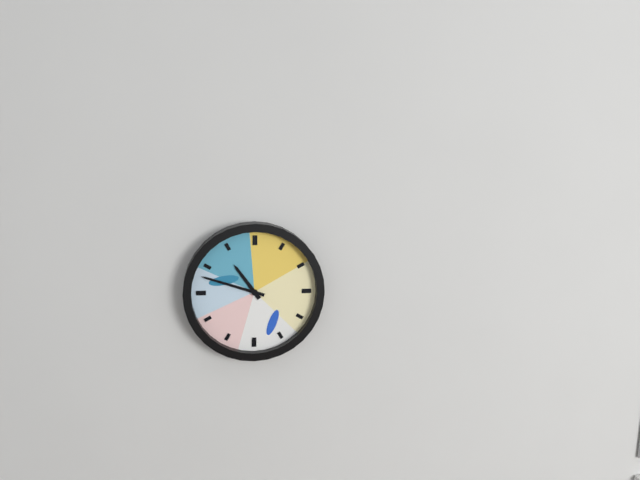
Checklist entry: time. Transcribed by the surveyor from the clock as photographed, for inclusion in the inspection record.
10:48
